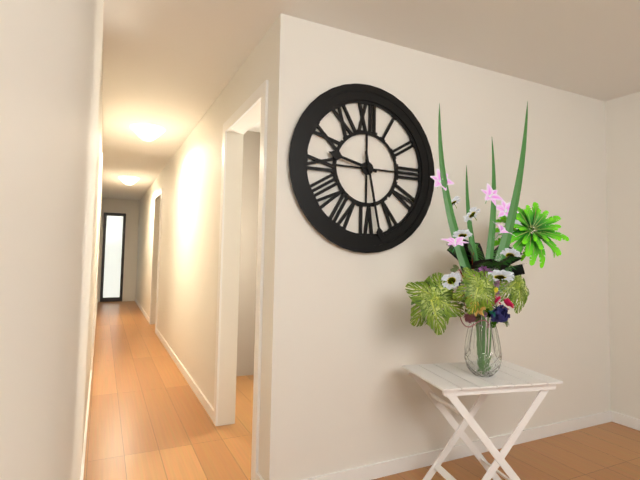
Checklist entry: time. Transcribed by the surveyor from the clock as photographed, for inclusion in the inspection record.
9:28
